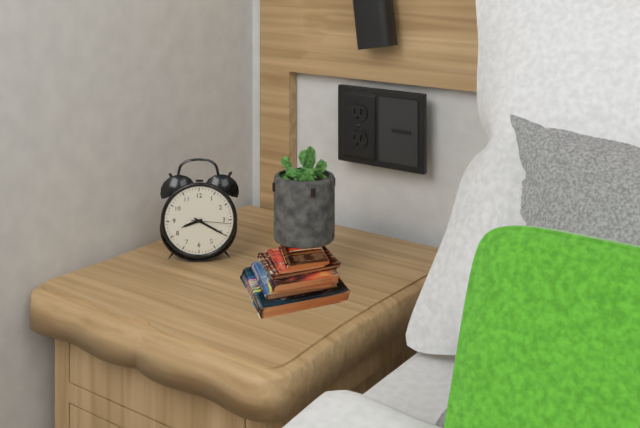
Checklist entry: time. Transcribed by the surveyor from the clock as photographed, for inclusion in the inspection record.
8:20
